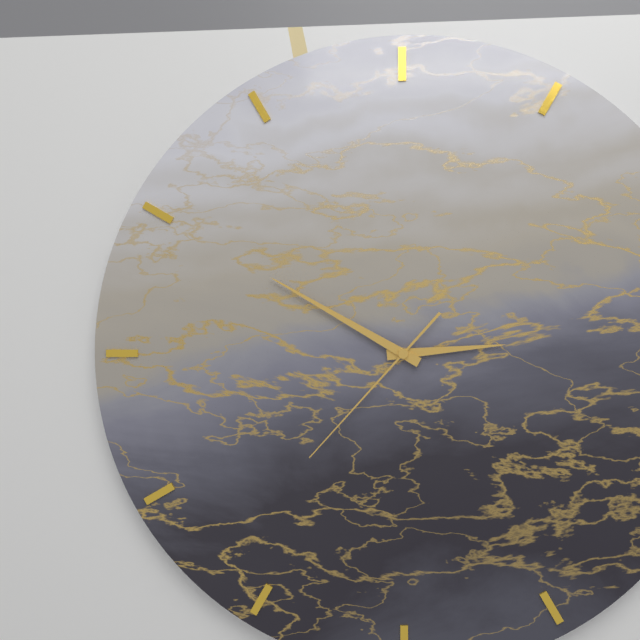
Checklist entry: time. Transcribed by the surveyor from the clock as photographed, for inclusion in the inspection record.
2:50:37
